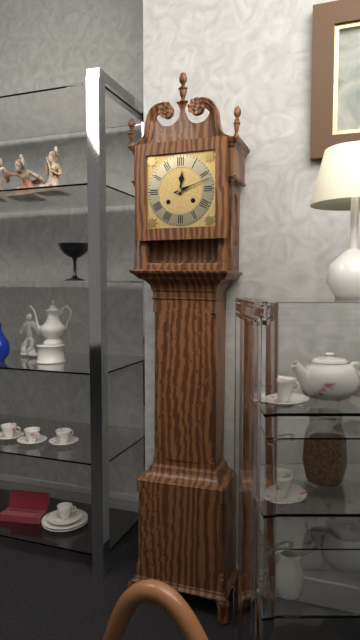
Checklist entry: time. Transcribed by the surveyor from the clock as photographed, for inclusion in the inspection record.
12:12
